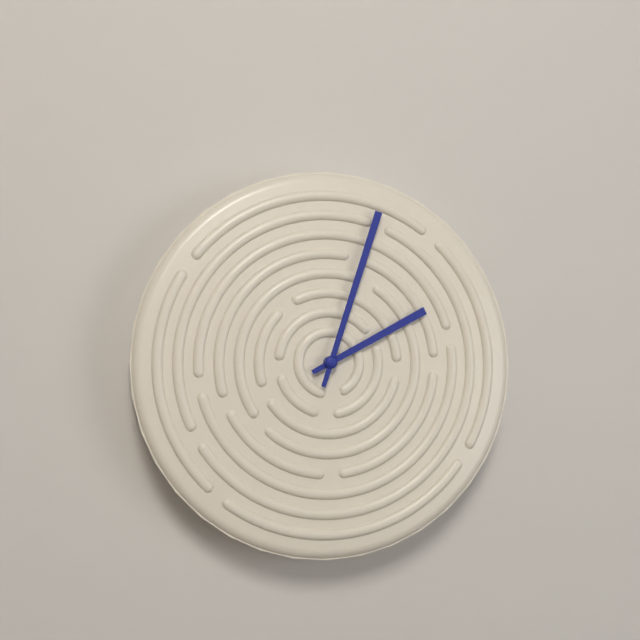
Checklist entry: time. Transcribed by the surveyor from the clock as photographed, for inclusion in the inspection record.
2:03
